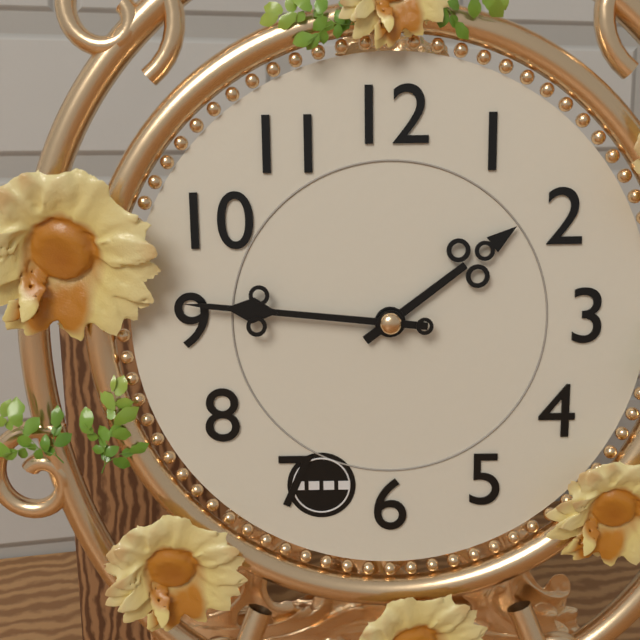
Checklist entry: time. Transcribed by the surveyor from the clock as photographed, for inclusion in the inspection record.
1:46
